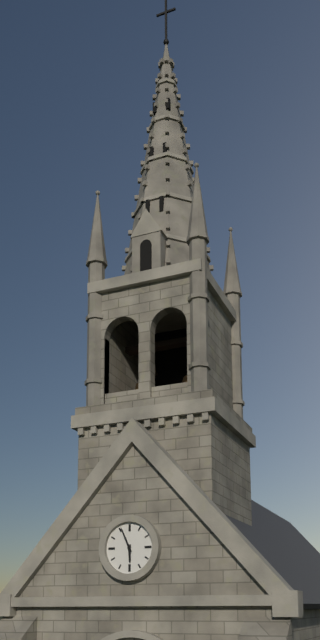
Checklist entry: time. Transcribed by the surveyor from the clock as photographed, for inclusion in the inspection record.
5:56
